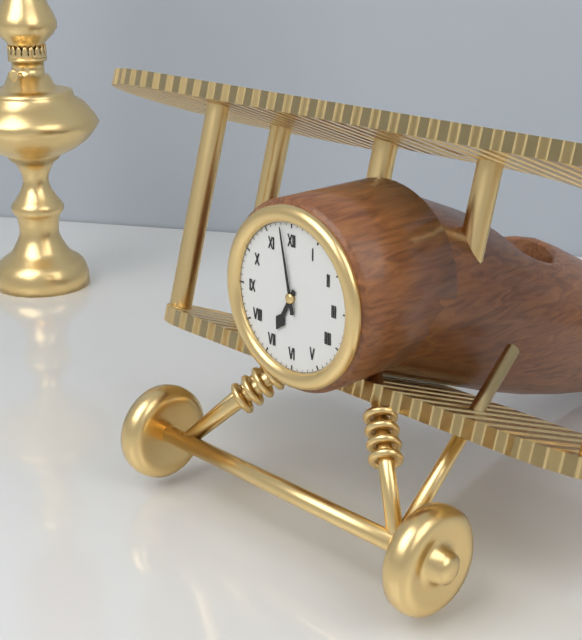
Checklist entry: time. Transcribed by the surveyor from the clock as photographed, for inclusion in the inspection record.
6:58
